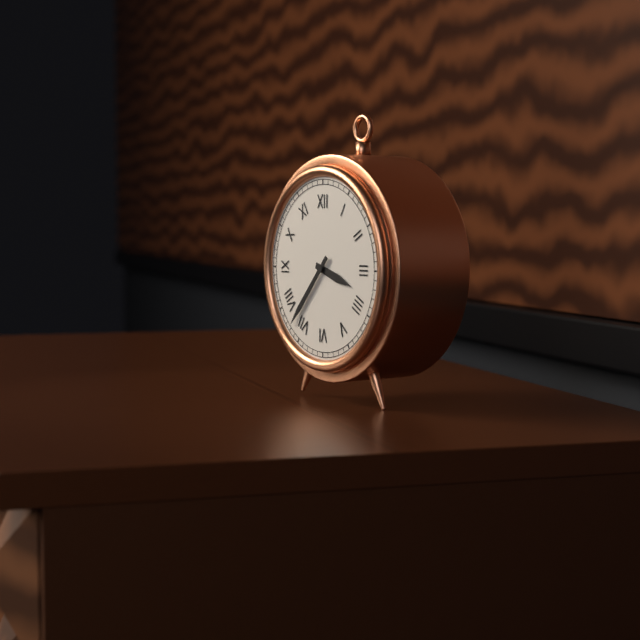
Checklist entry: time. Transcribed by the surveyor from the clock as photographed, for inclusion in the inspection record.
3:37
